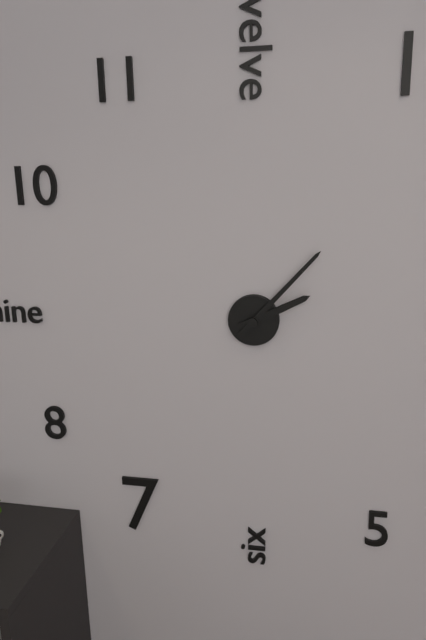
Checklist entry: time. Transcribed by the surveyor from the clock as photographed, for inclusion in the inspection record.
2:07
